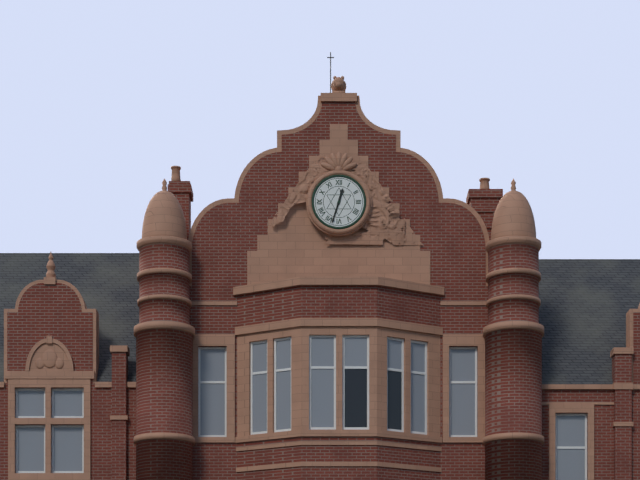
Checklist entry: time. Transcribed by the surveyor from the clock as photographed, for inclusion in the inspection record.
12:33
